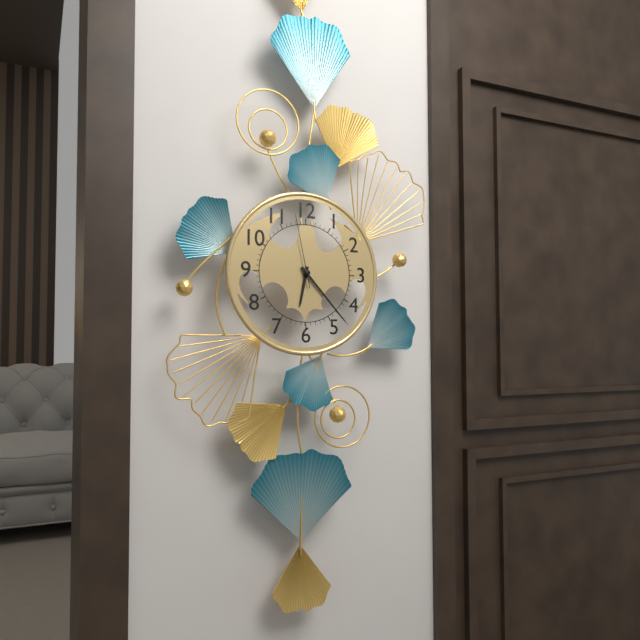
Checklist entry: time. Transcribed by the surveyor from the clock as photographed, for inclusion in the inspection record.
6:23:58
